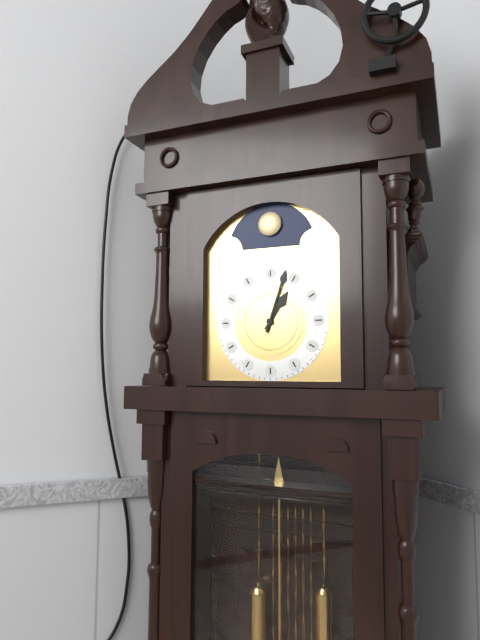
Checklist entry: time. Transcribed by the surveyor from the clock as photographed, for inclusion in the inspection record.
1:03
